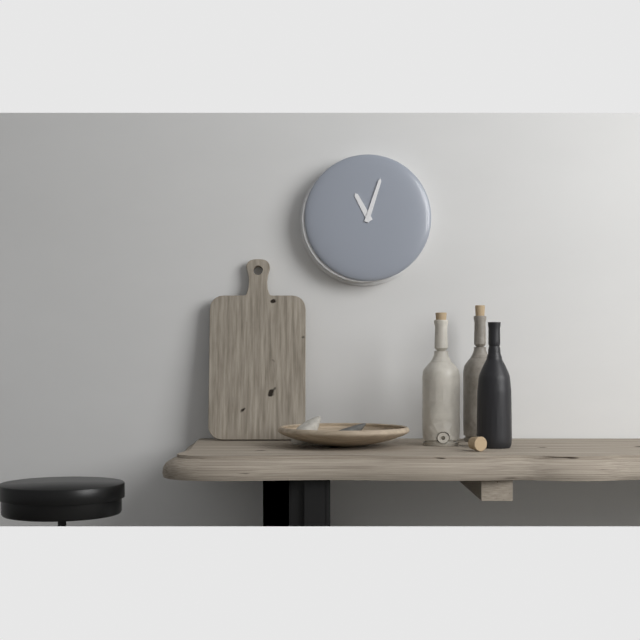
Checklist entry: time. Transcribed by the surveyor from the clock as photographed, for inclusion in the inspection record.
11:03
